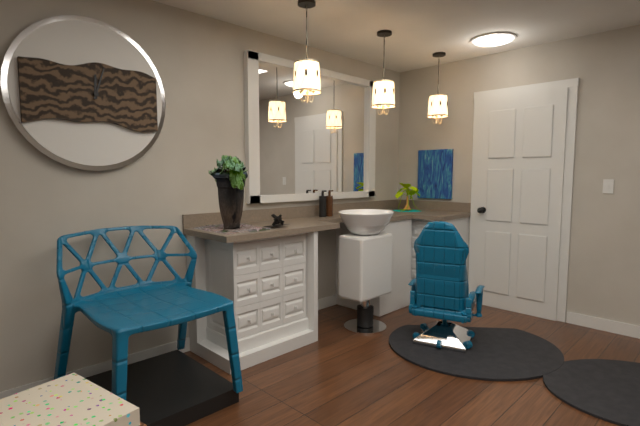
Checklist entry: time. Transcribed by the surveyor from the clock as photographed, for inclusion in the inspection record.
12:03
